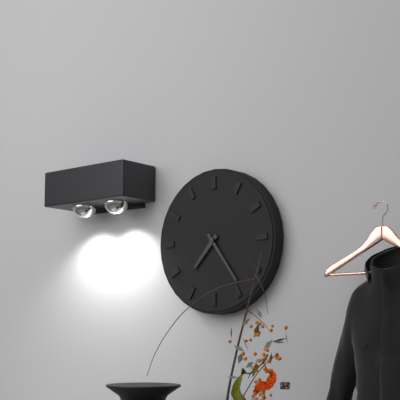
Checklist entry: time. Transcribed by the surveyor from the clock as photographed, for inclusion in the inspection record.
7:24
